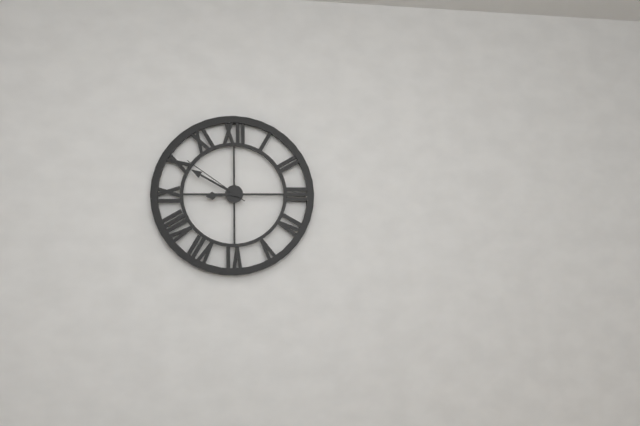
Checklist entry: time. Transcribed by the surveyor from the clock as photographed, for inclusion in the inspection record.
8:50:51
